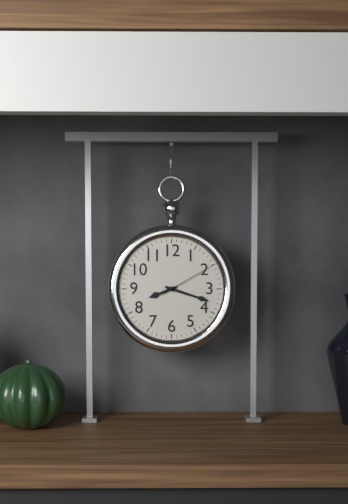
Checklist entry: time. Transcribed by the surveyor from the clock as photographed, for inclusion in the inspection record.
8:18:10
